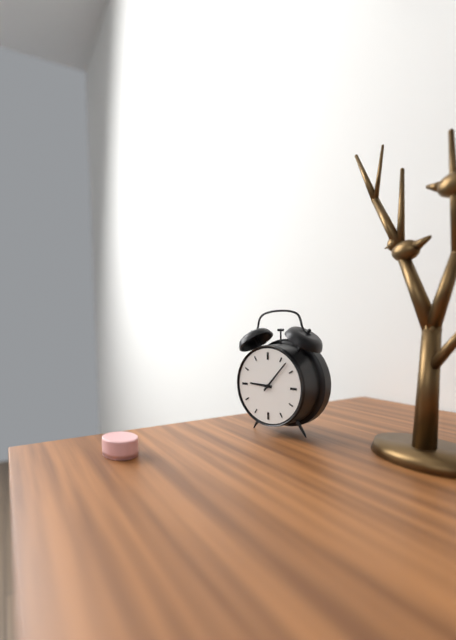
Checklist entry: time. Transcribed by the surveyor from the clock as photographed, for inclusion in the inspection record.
9:07
